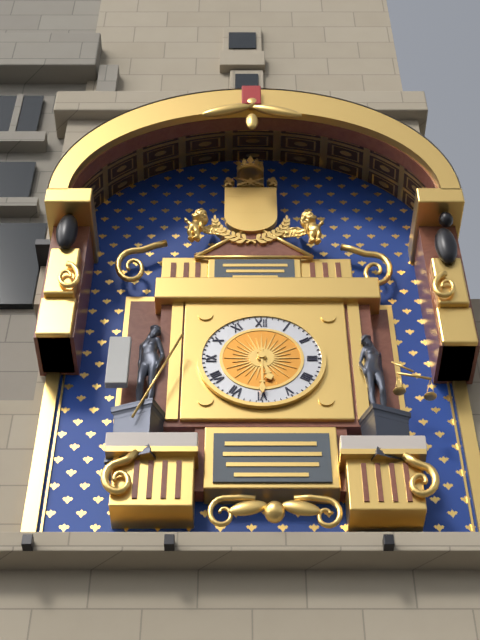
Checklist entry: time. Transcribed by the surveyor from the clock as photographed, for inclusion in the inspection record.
5:30
